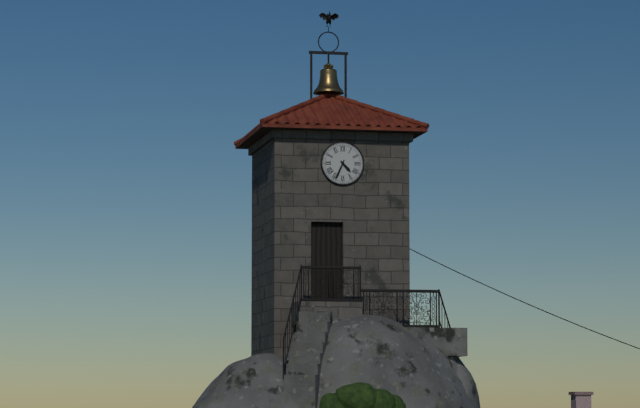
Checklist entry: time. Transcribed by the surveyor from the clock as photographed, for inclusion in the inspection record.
4:34
